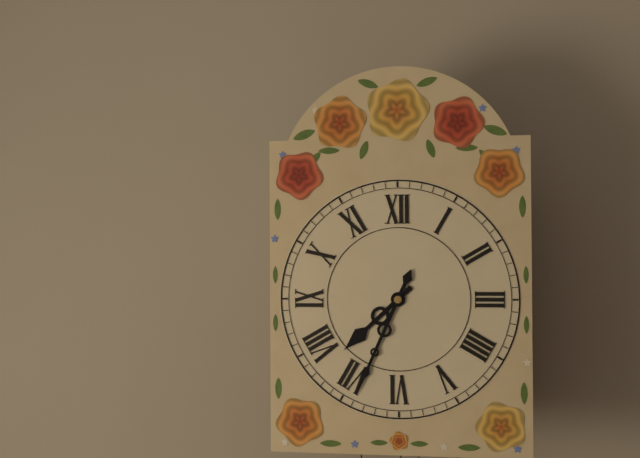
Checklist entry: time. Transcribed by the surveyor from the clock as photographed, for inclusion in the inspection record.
7:34
